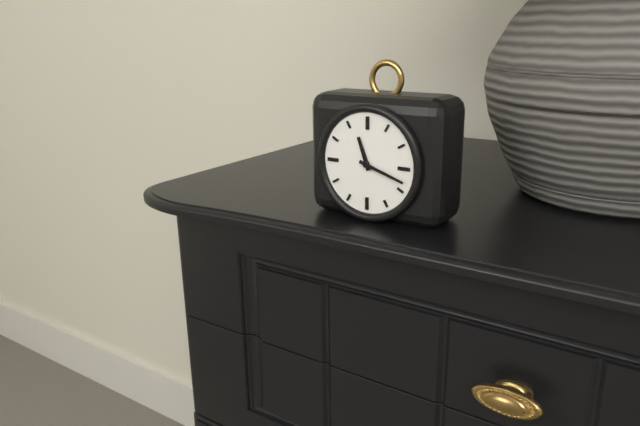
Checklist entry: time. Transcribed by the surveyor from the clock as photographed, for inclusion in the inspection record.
11:18
